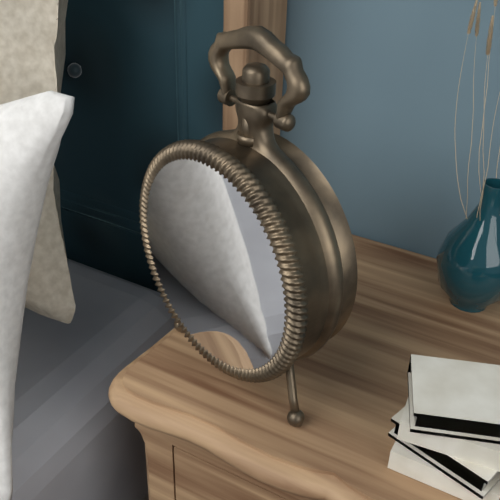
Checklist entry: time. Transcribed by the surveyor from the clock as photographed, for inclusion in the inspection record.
2:13
